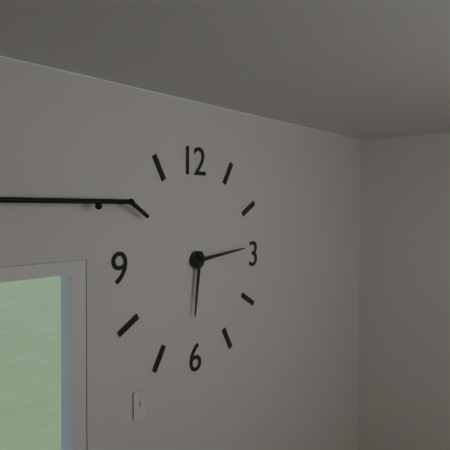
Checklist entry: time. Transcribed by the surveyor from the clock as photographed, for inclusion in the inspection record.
6:14
